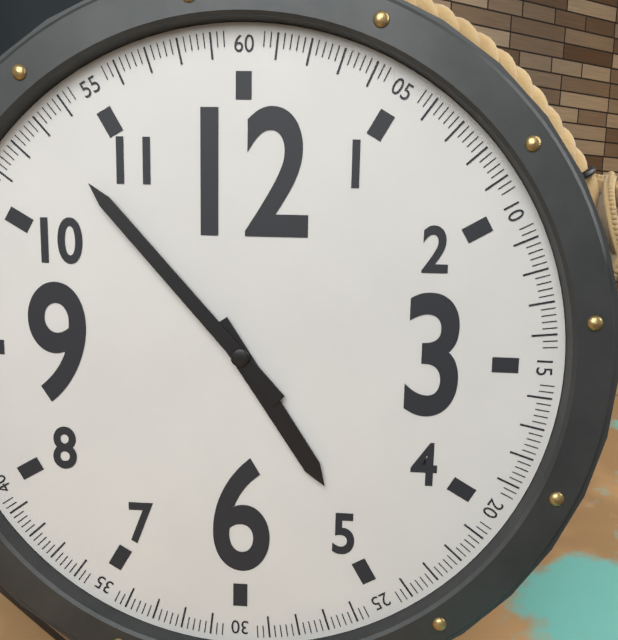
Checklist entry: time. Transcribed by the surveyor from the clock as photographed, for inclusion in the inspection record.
4:53
